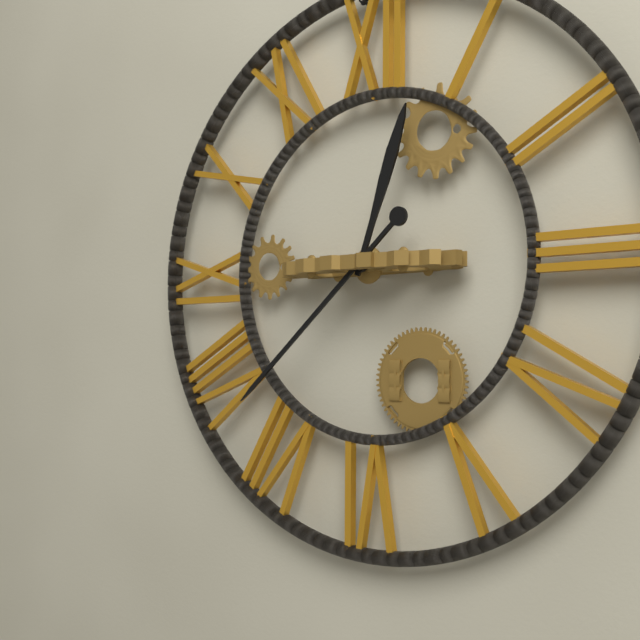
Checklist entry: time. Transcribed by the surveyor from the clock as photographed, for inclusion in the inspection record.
12:38
